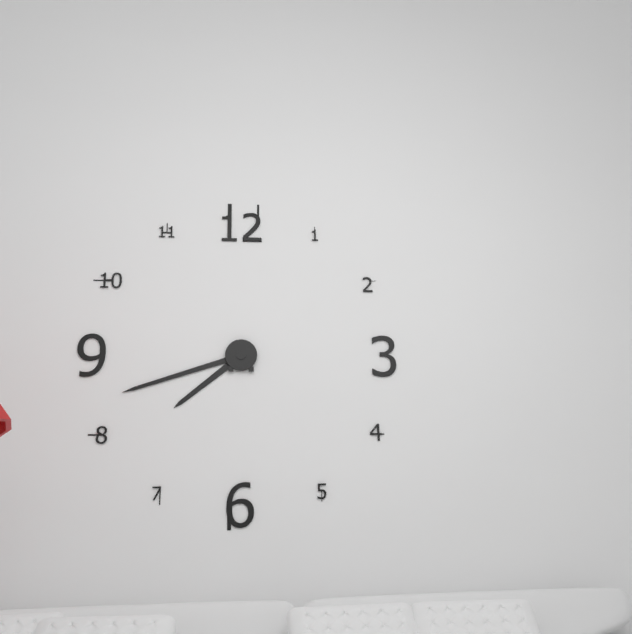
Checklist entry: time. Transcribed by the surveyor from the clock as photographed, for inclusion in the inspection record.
7:42
